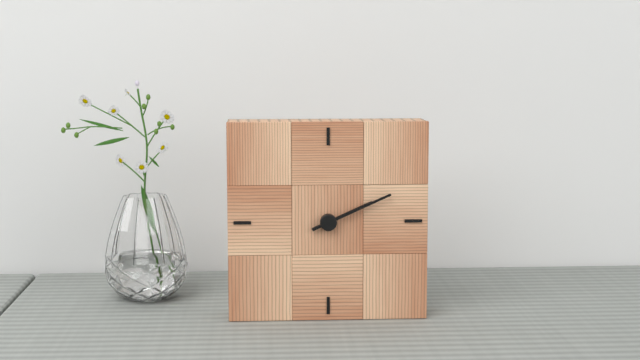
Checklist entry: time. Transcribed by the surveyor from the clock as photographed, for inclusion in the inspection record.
2:11
